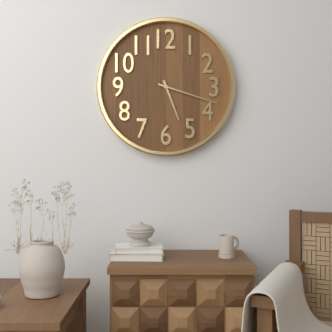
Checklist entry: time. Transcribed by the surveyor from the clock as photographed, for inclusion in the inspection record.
5:18
